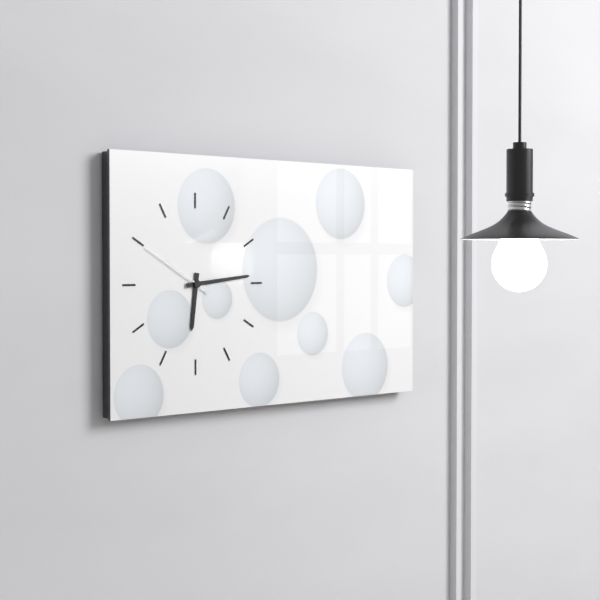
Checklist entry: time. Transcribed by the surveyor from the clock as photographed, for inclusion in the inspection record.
6:14:50
